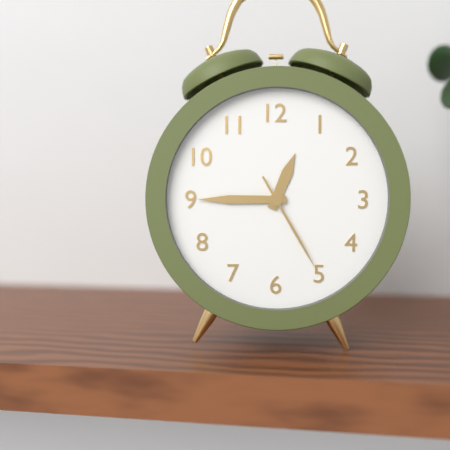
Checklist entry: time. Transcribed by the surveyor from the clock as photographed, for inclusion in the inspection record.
12:45:25
